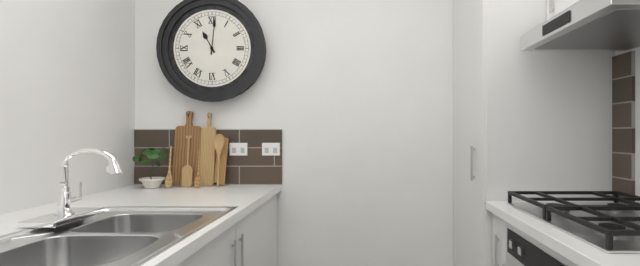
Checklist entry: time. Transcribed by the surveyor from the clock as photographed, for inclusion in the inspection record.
11:01
